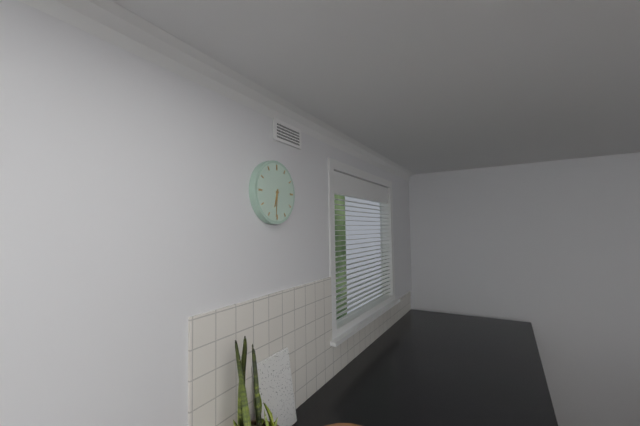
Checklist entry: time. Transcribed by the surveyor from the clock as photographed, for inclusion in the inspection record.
6:31
